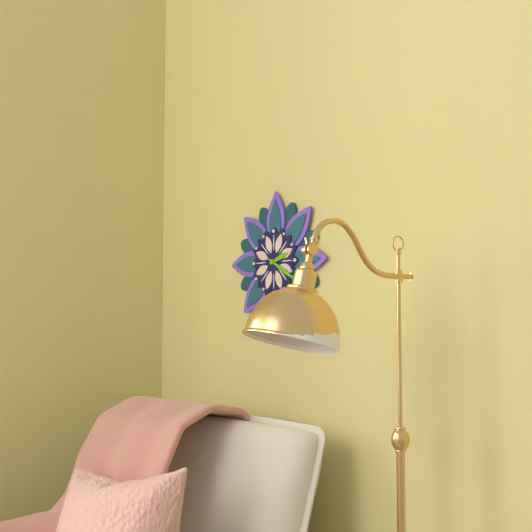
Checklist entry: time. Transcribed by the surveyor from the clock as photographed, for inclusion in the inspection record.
2:20
